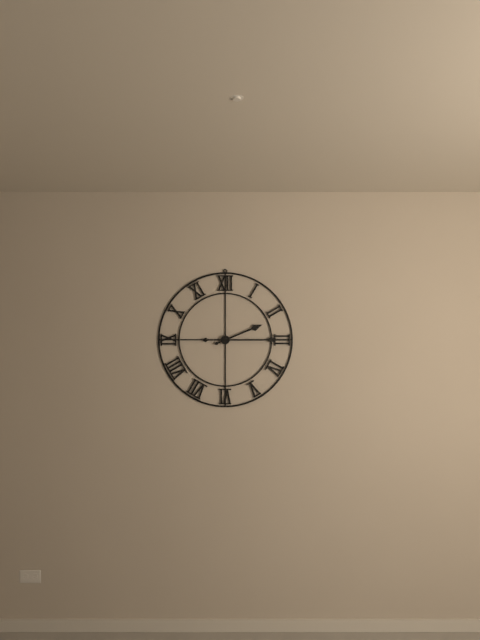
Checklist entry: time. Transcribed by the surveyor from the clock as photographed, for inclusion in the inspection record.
2:15
